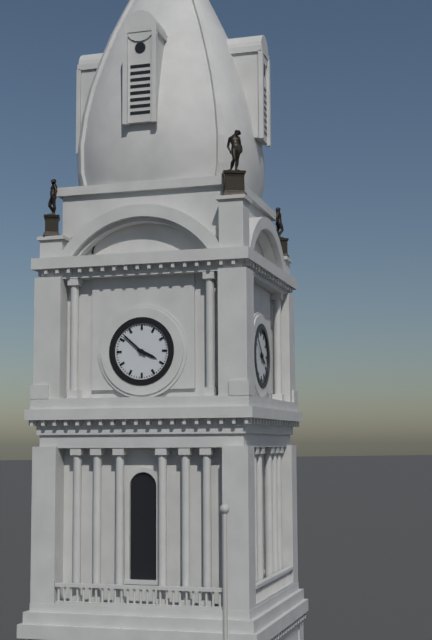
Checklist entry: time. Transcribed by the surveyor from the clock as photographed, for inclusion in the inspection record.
3:52
